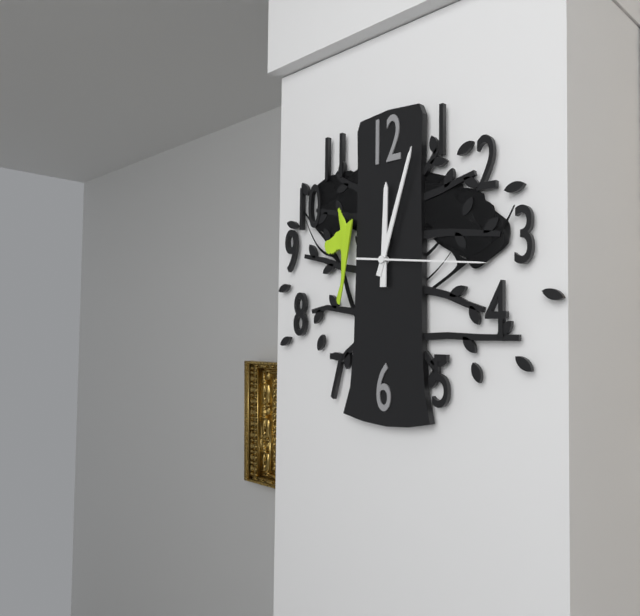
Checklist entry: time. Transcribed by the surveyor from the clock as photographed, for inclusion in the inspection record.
12:03:16
